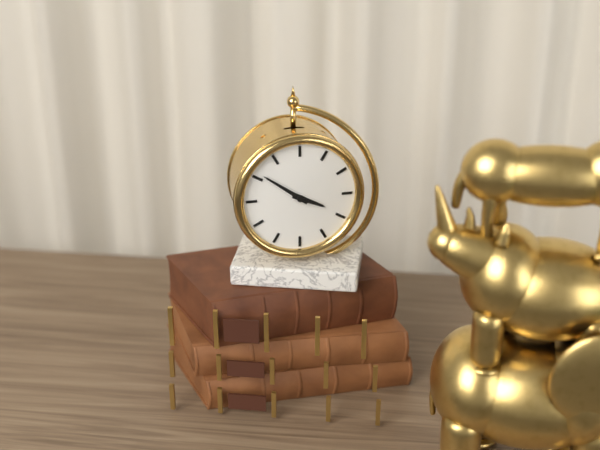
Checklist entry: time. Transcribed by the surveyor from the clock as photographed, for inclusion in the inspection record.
3:51
